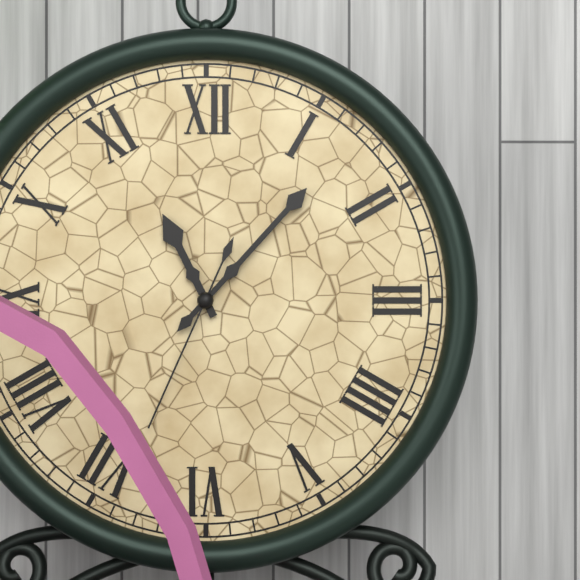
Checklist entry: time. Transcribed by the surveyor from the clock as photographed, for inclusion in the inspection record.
11:07:34
